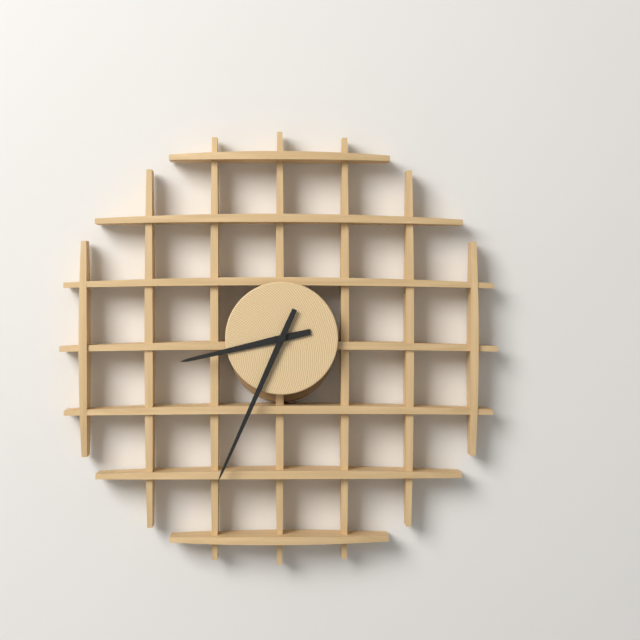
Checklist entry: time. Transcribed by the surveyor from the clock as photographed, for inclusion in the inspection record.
8:34
